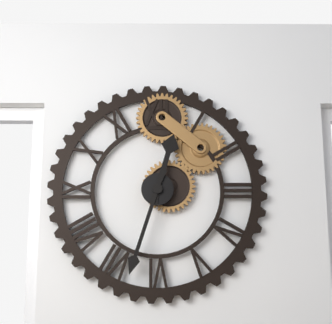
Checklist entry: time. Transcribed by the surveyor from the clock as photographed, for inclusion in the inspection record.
12:33
